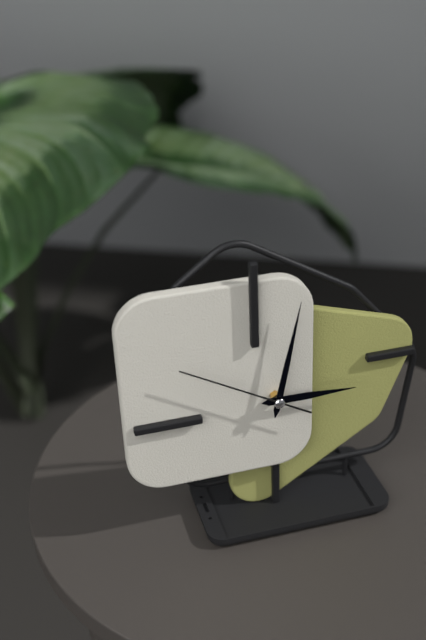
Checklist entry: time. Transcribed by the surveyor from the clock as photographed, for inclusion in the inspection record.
3:02:50
